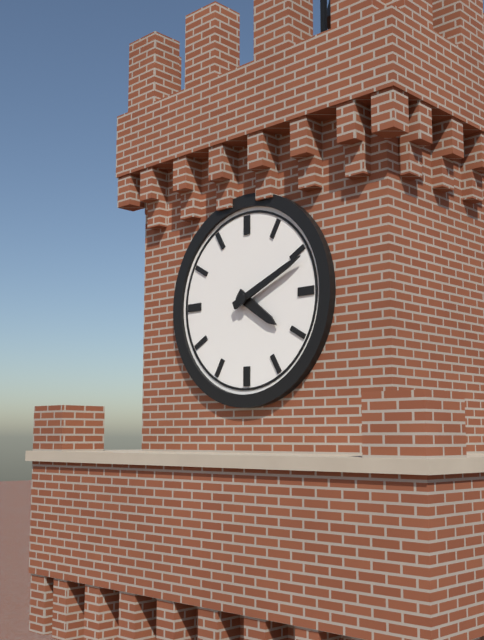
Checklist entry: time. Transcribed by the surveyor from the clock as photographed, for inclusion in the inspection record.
4:11
